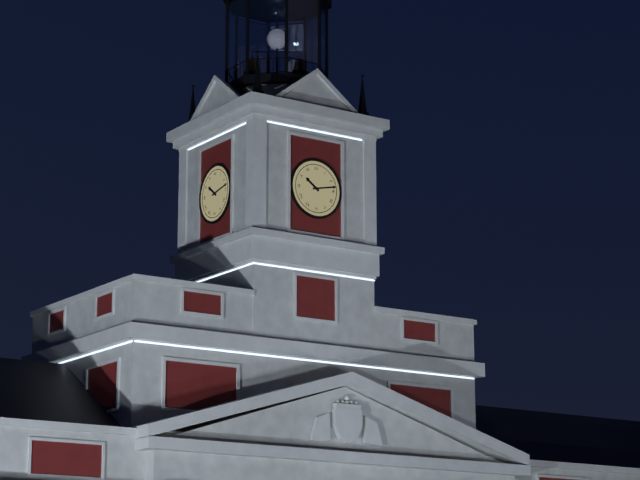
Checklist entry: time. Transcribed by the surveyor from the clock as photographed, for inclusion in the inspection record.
10:13
